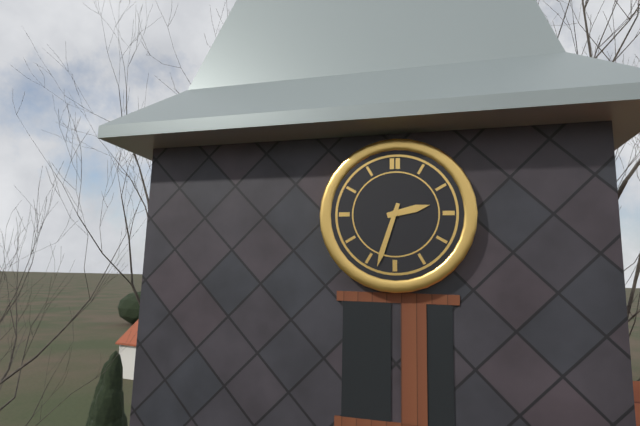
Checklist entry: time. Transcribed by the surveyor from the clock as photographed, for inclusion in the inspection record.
2:33
